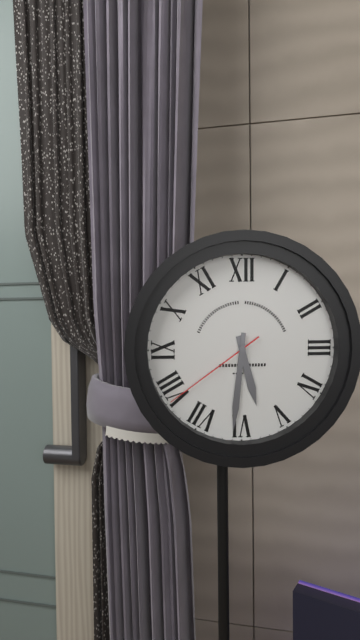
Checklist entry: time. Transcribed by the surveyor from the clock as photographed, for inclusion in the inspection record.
5:31:39
